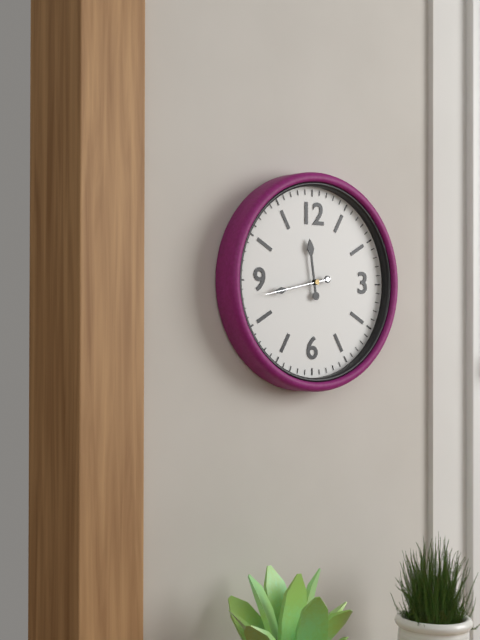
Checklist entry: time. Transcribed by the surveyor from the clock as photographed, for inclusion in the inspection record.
11:43
